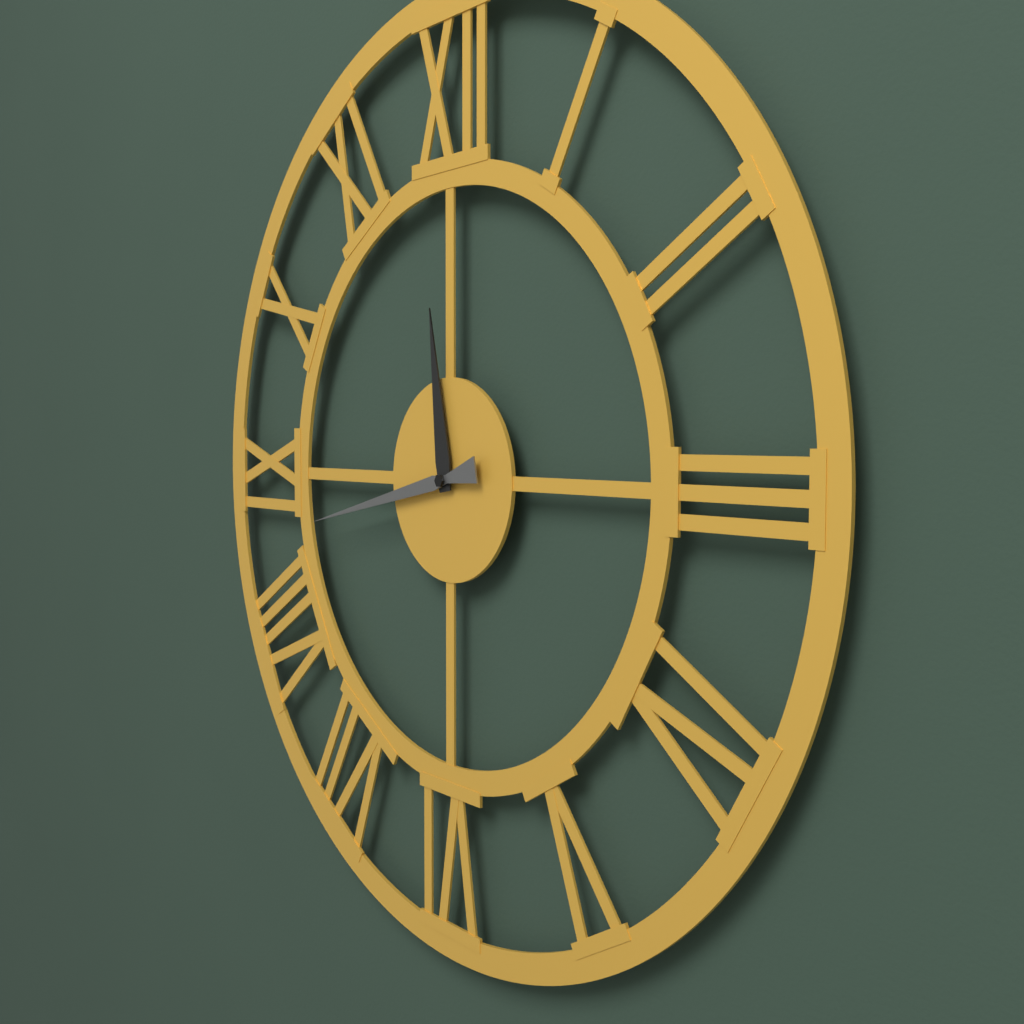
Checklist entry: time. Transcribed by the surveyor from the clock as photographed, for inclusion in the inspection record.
11:43
